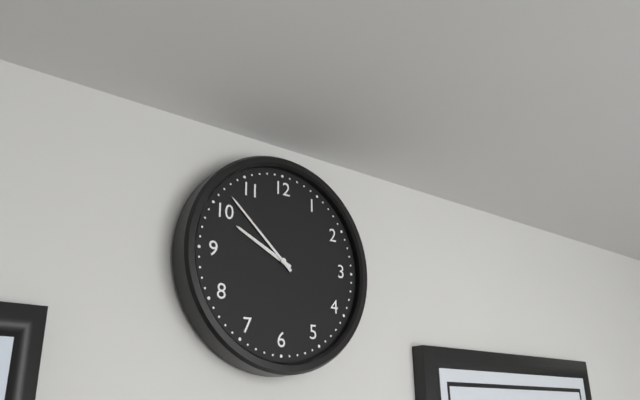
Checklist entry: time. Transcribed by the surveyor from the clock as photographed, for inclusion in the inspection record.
9:52
